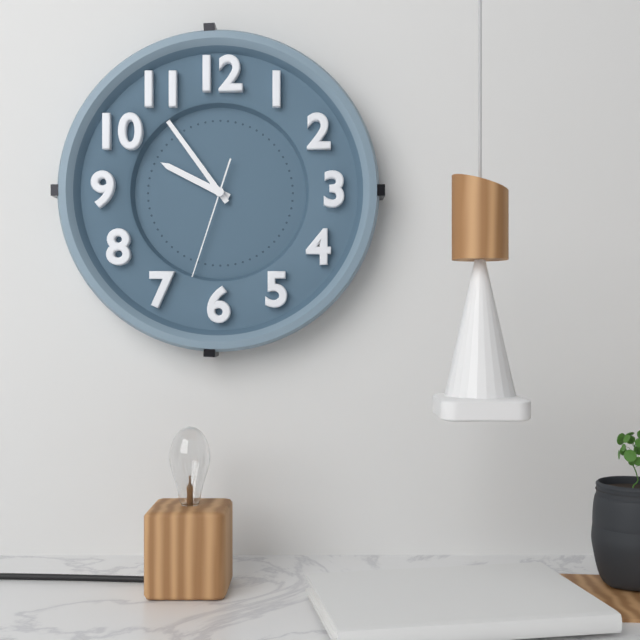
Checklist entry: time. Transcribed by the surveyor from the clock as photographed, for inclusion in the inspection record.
9:54:33
